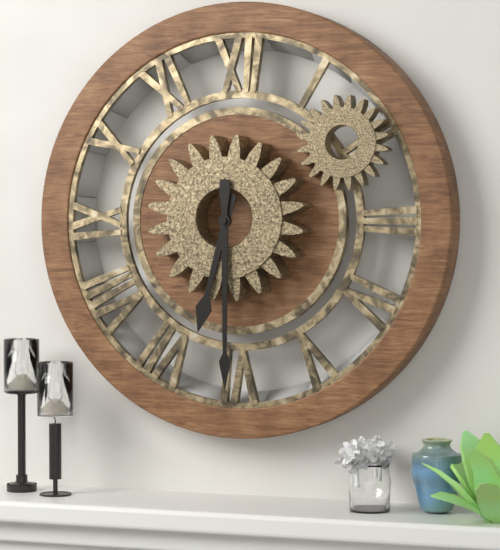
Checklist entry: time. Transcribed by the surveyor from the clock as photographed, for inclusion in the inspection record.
6:30
